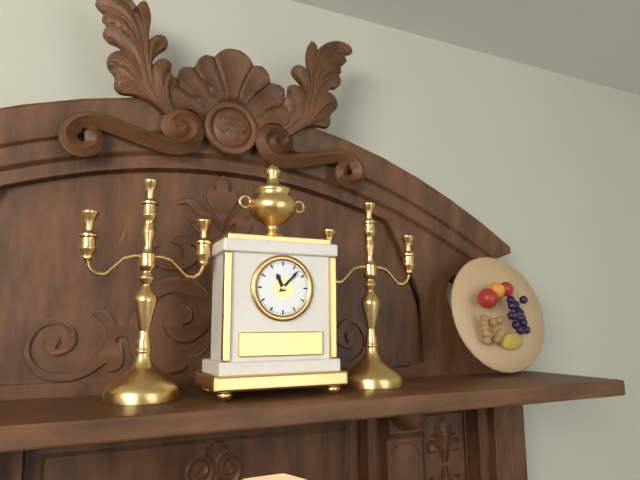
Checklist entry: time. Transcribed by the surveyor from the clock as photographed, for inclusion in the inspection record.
11:07
